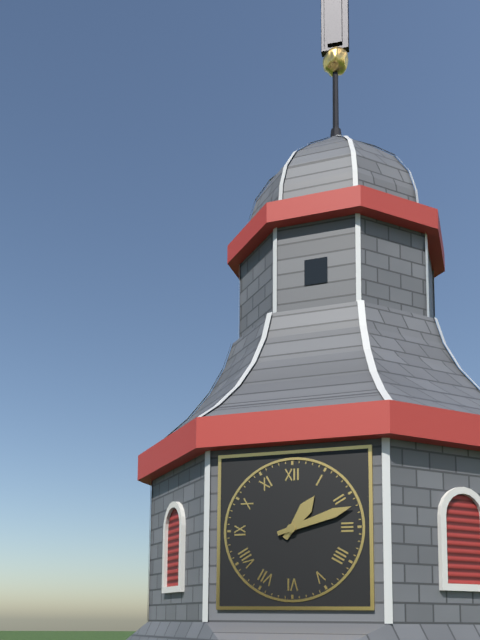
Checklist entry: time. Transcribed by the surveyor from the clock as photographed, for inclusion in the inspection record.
1:12
